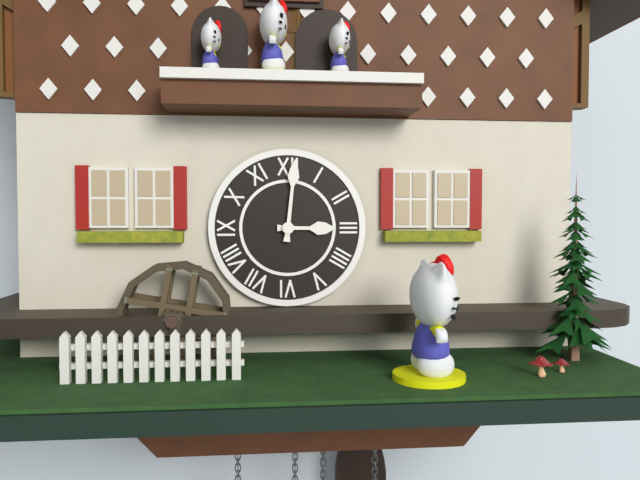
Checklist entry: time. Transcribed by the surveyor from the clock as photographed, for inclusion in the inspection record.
3:01
